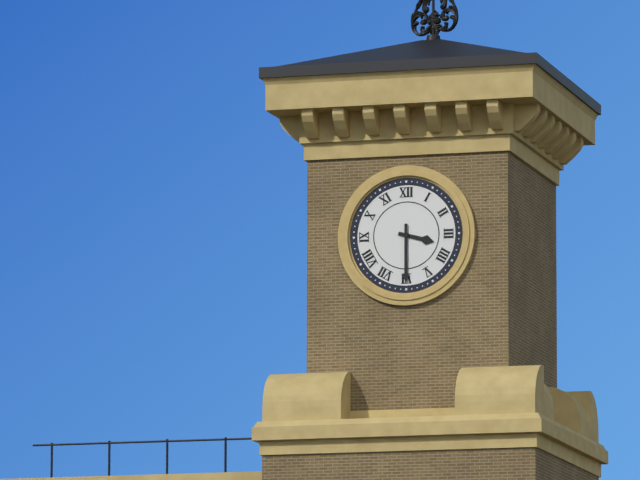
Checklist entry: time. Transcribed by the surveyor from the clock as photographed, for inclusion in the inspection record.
3:30
